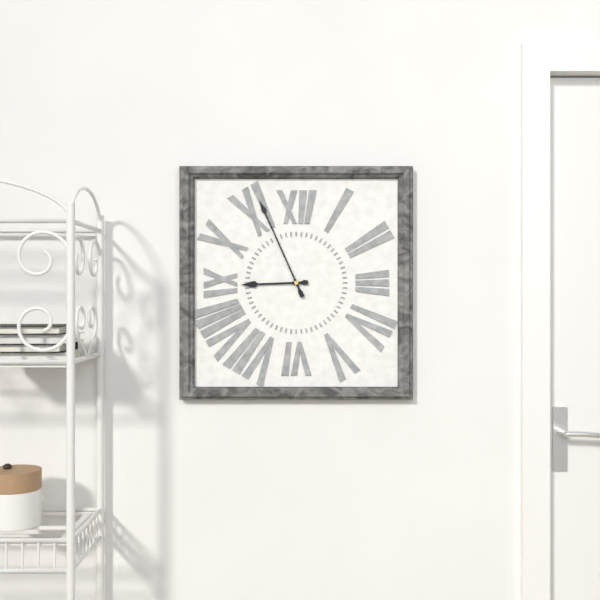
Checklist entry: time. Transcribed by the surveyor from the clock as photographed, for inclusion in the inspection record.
8:56
